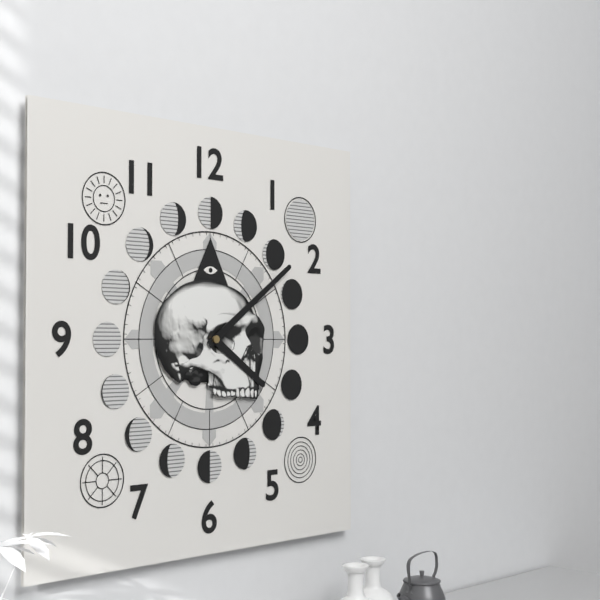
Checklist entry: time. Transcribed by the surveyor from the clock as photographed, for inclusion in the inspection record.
4:09
